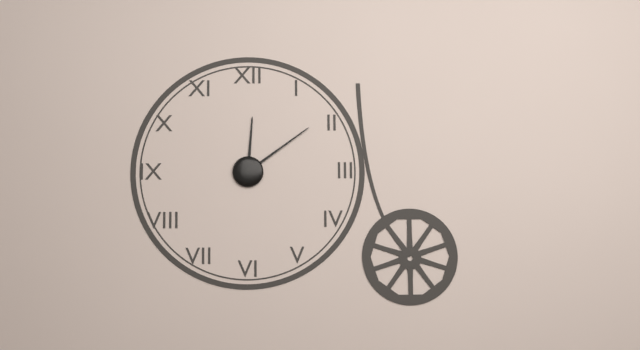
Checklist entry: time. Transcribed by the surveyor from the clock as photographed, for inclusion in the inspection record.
12:09
